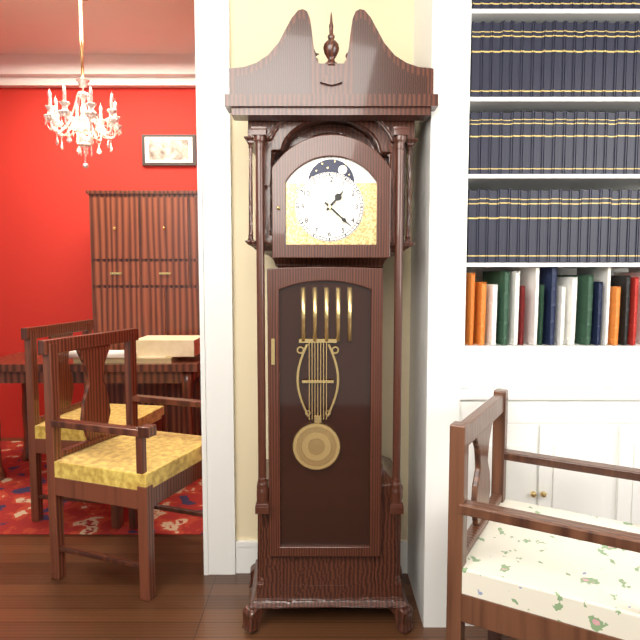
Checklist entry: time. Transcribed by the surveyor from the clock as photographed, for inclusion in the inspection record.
1:22
